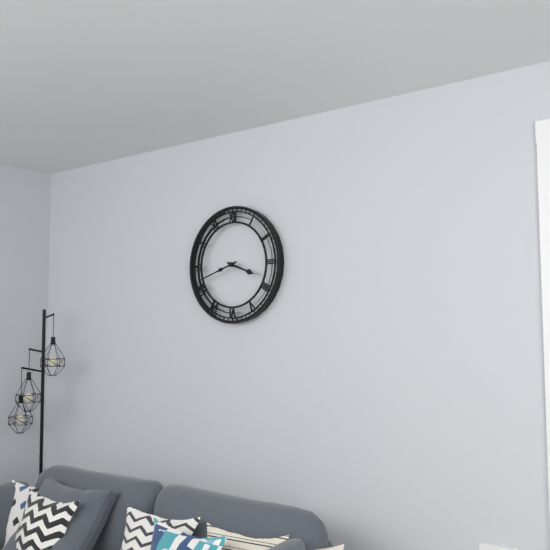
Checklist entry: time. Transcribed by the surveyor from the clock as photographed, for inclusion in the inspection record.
3:42
